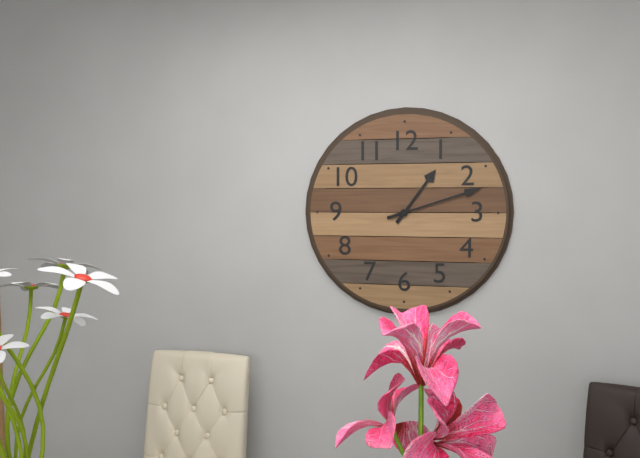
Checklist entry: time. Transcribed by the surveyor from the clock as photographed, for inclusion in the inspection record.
1:12
